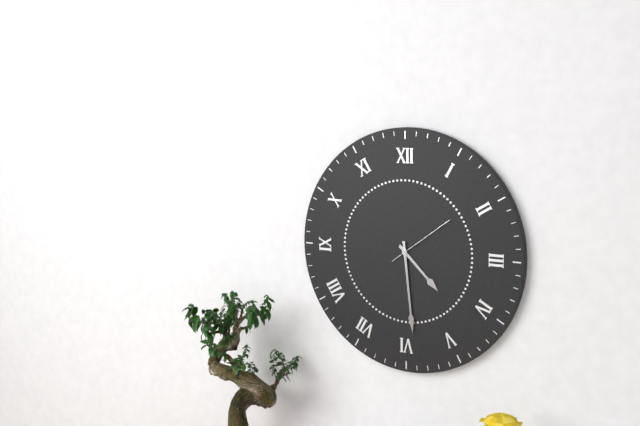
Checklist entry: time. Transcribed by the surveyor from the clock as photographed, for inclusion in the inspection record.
4:29:09
